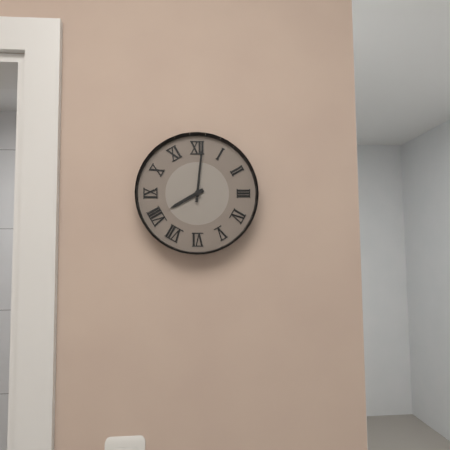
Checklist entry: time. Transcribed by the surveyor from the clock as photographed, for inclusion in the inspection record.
8:01
